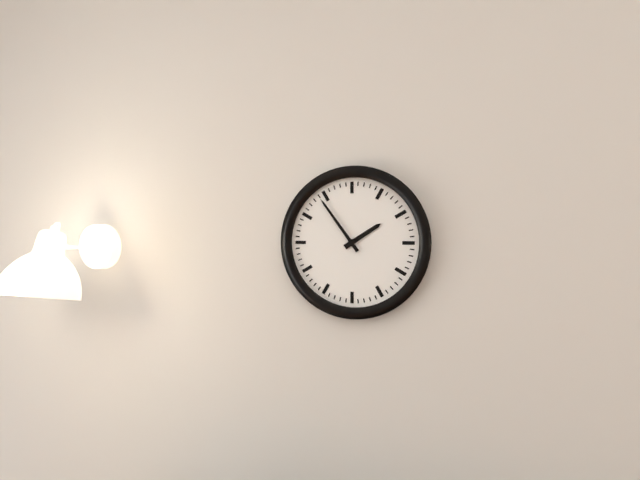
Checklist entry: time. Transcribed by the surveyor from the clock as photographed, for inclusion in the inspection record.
1:54
